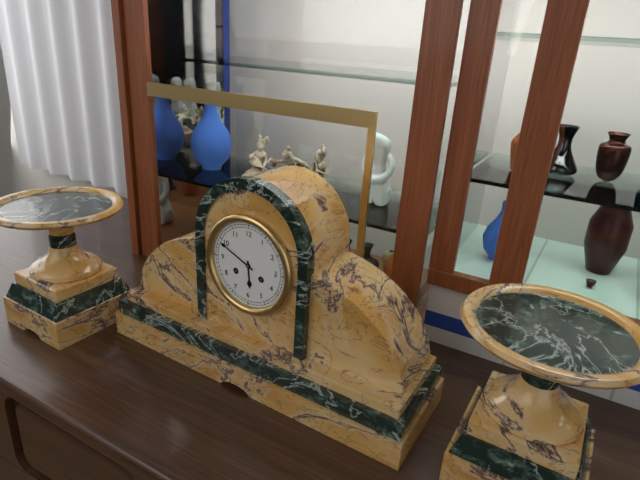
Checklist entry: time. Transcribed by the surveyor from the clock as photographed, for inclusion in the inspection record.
5:49
